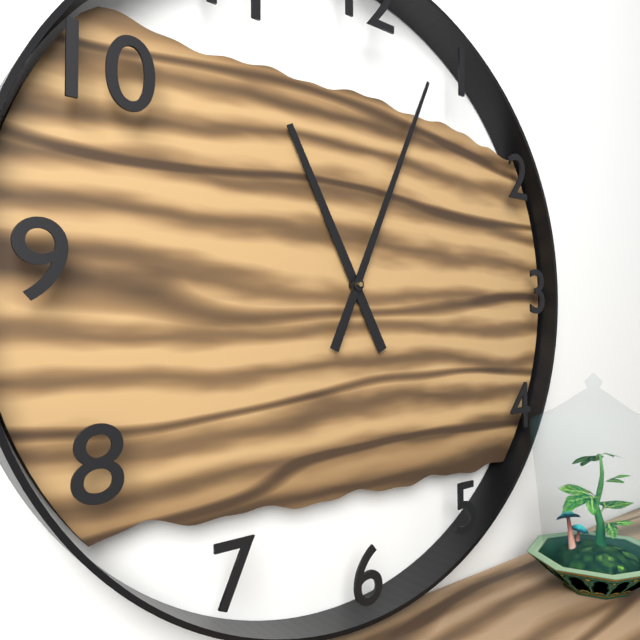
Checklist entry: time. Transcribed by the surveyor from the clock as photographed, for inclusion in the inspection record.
11:04
